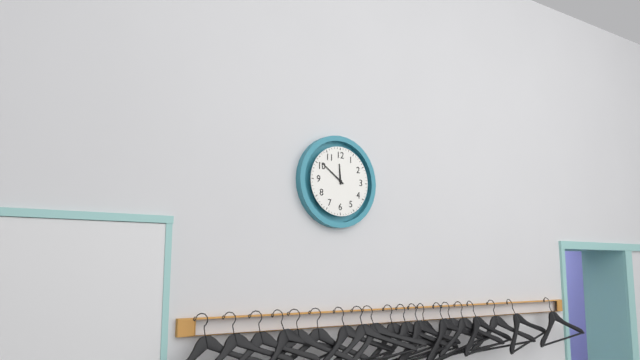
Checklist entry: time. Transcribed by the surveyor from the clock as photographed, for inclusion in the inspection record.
11:51
